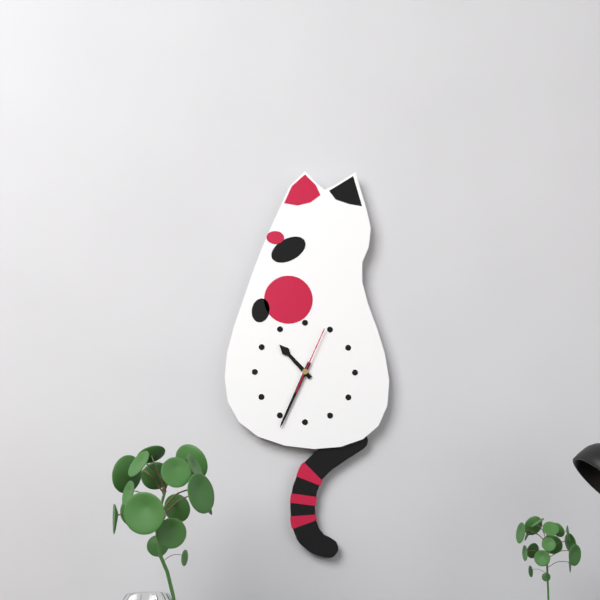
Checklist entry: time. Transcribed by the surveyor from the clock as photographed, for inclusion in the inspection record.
10:34:04
